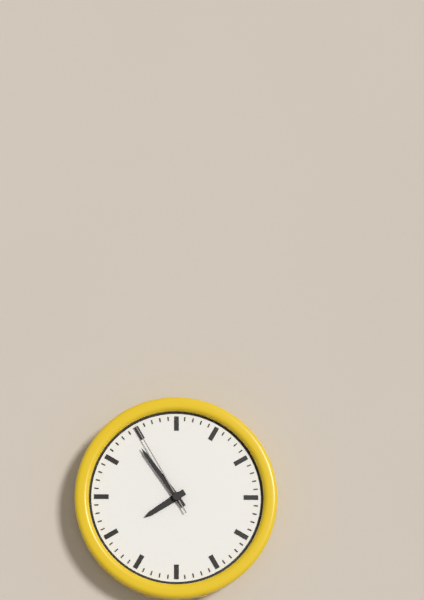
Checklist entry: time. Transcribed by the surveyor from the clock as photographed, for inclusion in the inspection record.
7:54:55
